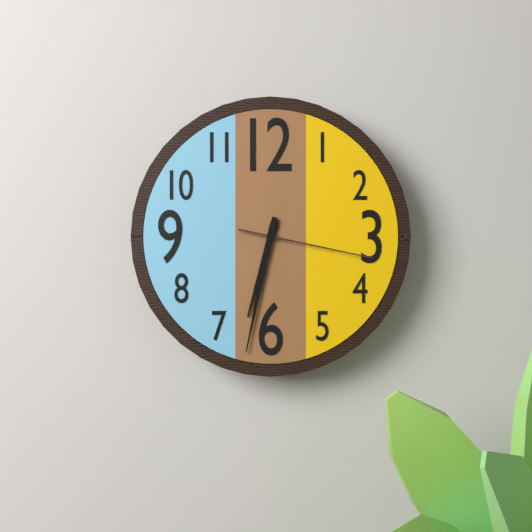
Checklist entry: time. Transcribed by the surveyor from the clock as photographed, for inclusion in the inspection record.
6:32:17
